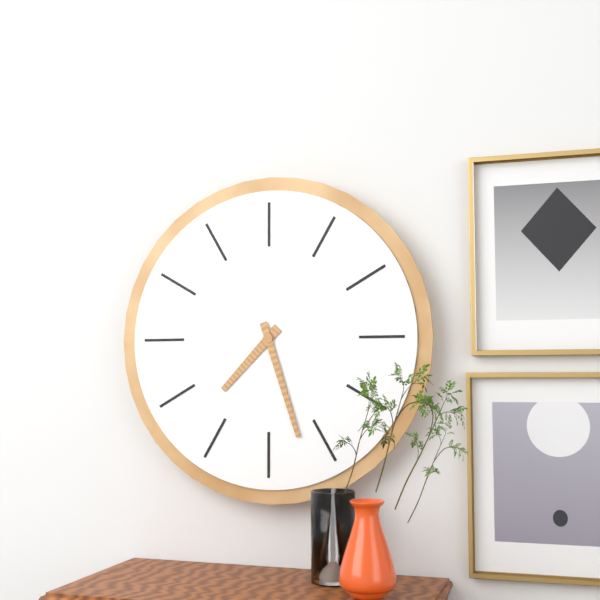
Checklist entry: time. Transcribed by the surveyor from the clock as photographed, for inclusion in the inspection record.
7:27
